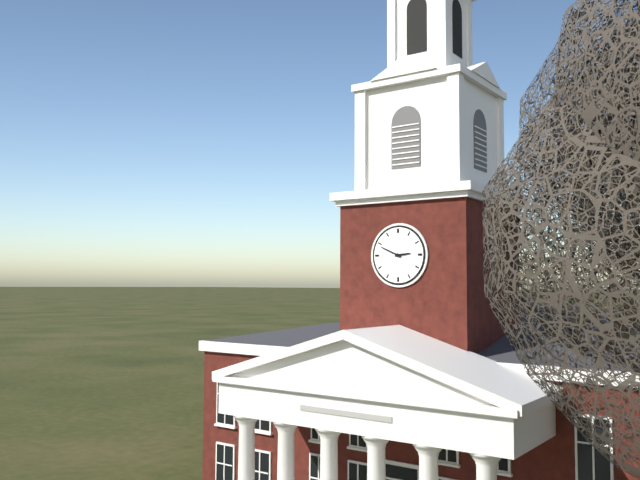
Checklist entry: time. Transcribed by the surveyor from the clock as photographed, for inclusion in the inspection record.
2:49
